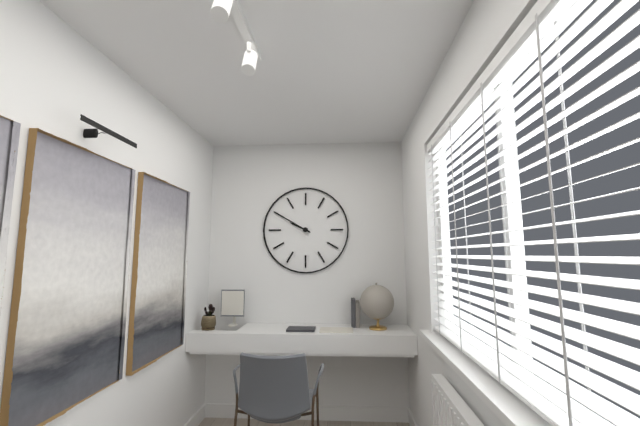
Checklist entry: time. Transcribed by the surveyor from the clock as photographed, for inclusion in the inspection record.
9:50
